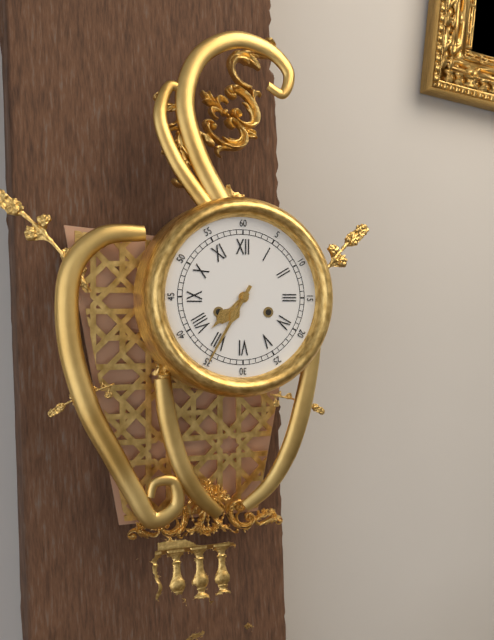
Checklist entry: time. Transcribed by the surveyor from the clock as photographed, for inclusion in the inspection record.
7:35
